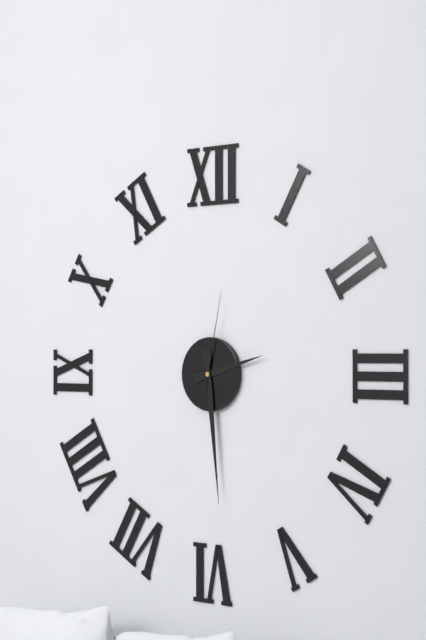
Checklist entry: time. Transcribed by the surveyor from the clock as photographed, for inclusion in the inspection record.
2:29:02
